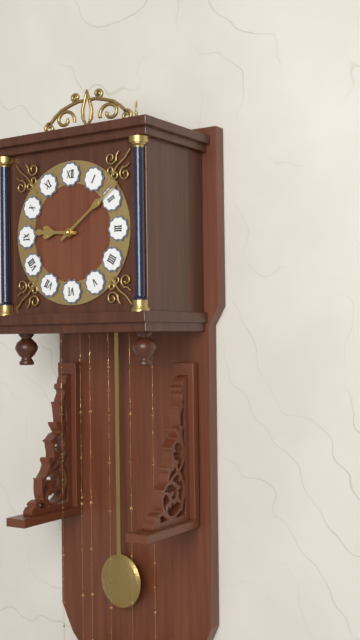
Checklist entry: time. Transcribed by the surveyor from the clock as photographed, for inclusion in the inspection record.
9:09
